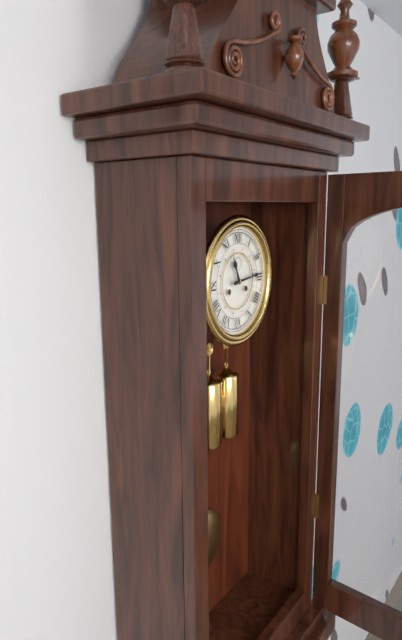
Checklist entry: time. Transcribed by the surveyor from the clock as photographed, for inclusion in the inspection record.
11:14
